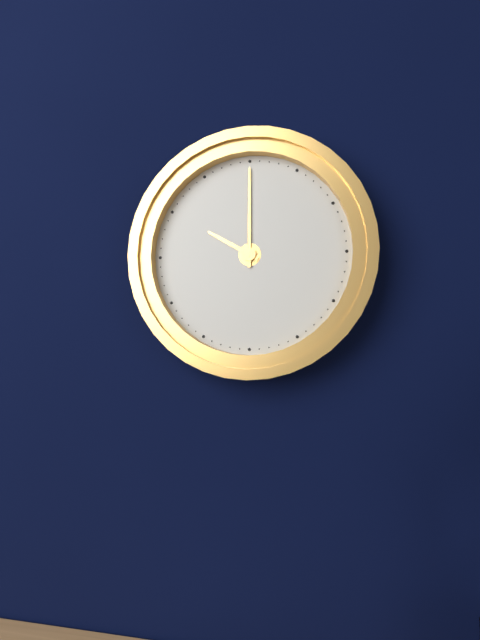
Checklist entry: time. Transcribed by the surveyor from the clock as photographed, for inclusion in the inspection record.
10:00
